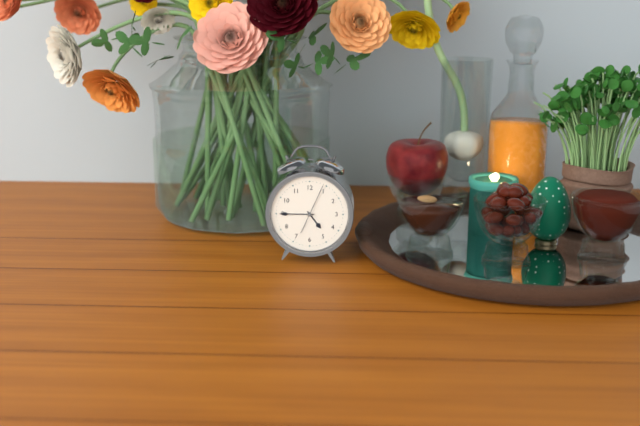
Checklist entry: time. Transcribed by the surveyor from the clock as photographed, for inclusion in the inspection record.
4:45
